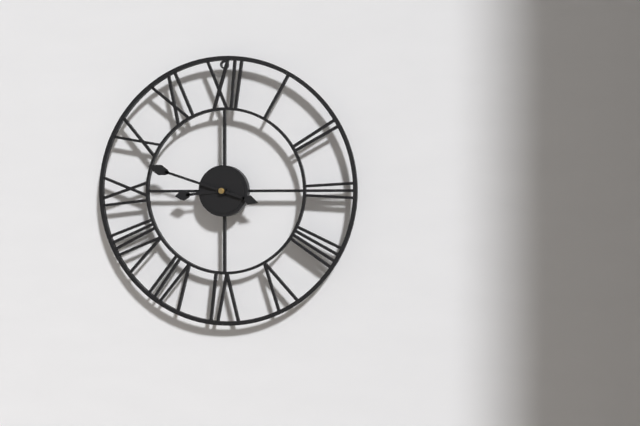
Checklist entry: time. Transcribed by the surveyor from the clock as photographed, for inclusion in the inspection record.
8:48
